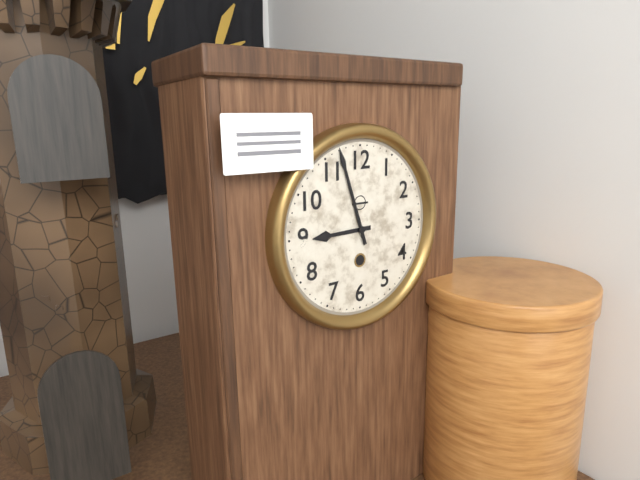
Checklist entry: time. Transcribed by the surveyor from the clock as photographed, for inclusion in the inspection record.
8:57
